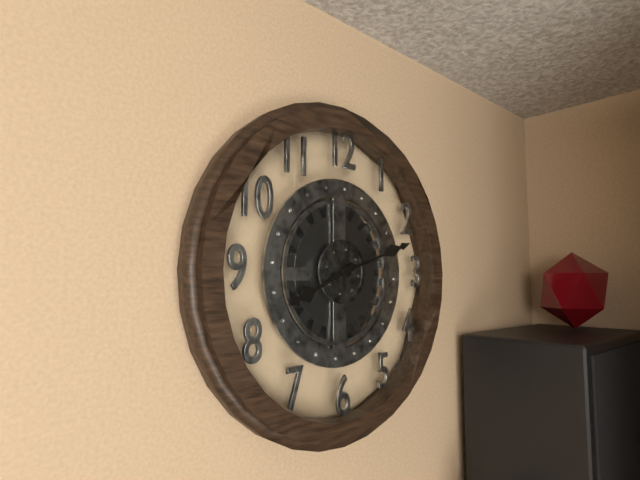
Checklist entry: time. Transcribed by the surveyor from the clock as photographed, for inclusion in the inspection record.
8:12
